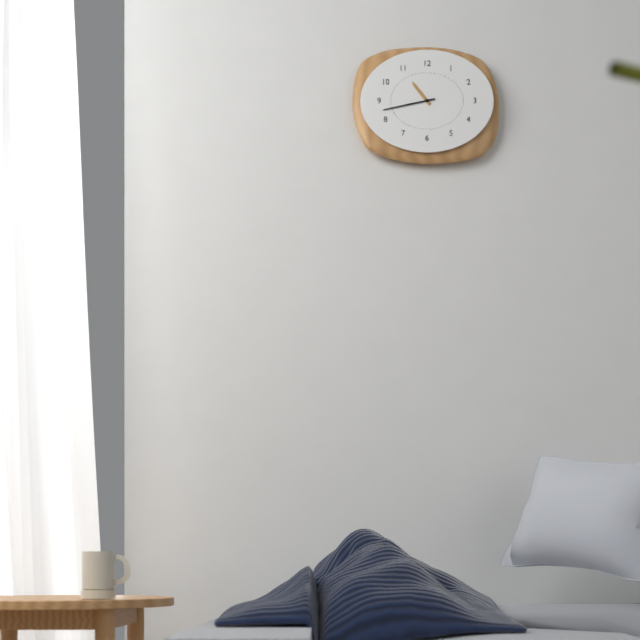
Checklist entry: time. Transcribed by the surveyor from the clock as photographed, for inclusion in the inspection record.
10:43
